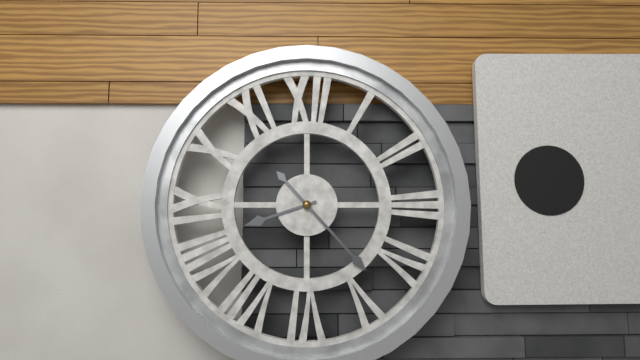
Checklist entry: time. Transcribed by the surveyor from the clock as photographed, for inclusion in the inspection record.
8:23
